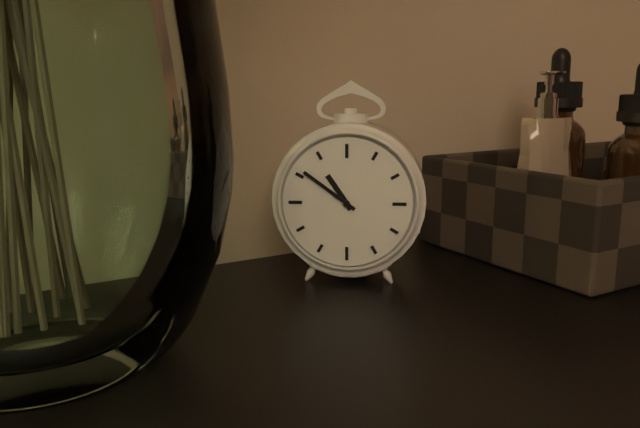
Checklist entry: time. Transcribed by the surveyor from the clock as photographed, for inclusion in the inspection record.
10:51
